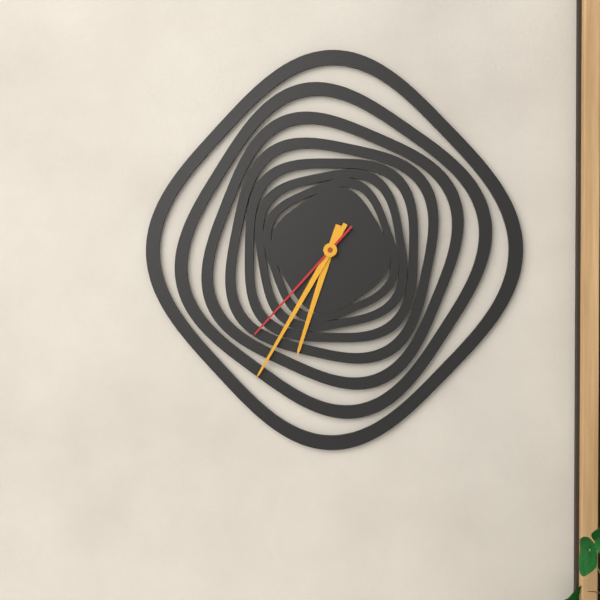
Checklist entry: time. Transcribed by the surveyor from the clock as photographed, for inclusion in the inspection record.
6:35:37
